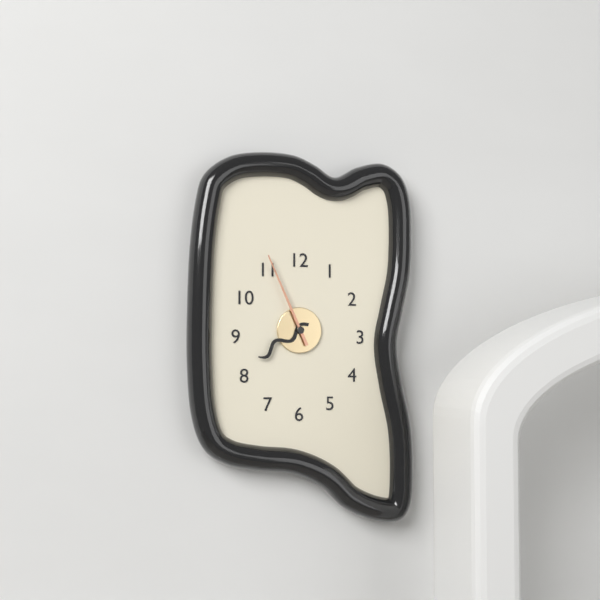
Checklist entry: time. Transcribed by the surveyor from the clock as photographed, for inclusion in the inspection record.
7:56
